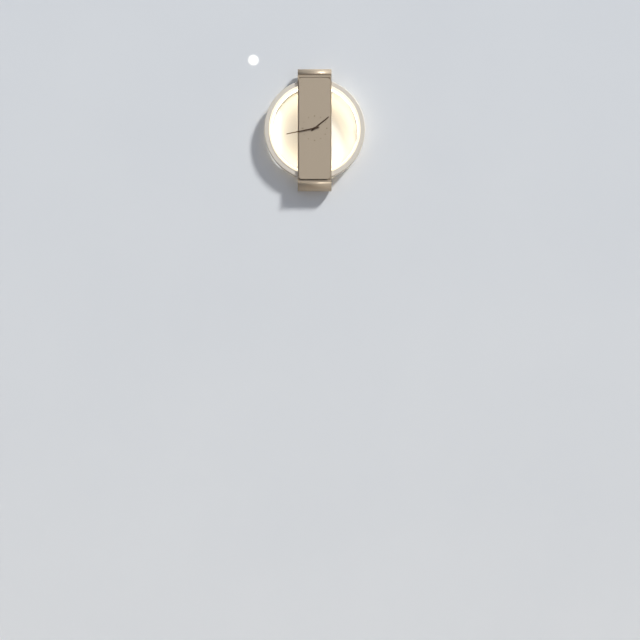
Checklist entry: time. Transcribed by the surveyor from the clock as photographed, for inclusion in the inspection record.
1:43
